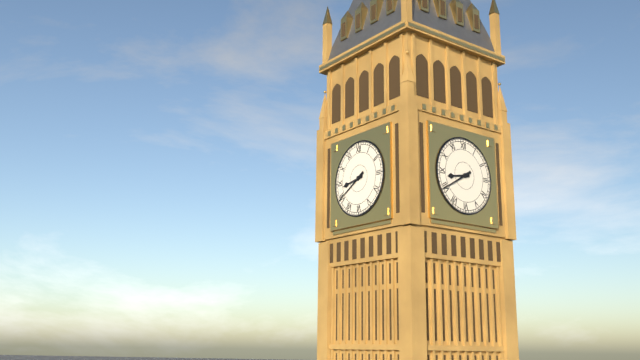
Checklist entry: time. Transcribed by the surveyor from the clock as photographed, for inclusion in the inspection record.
8:40
